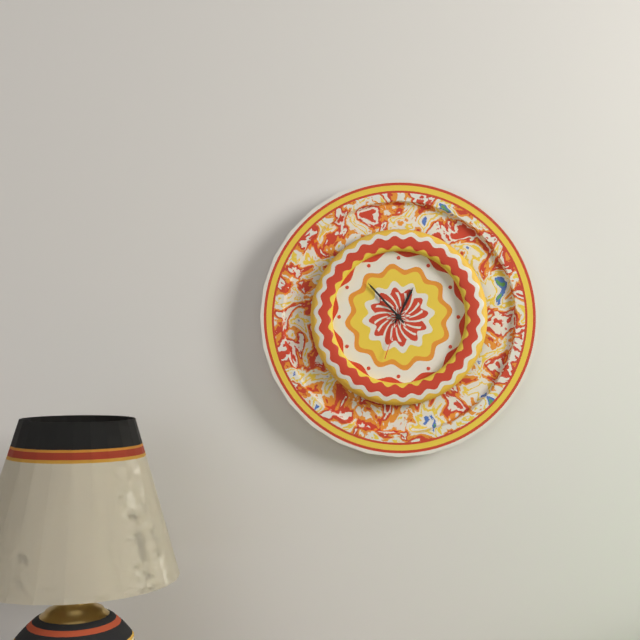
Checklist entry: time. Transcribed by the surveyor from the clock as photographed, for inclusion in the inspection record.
12:53:33
